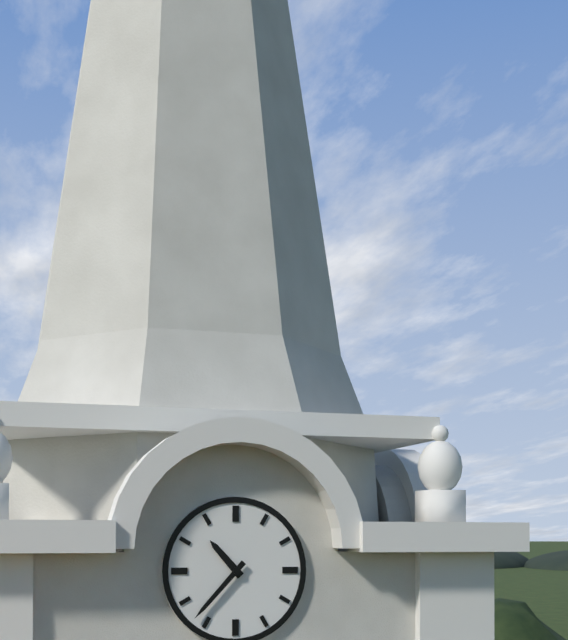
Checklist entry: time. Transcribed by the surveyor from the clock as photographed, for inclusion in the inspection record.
10:37
